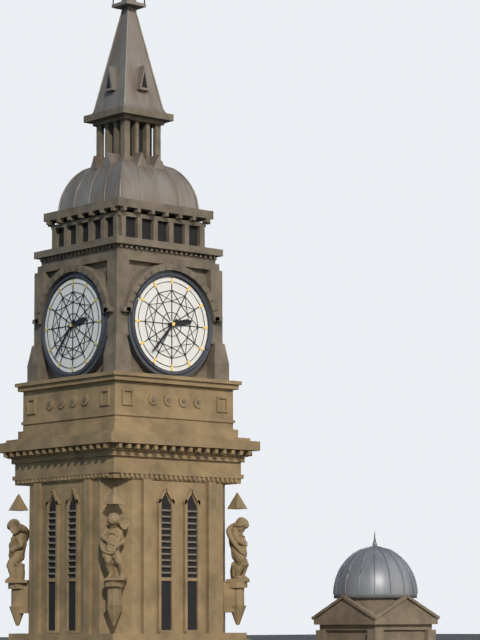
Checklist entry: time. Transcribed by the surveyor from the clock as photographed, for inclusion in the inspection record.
2:37
